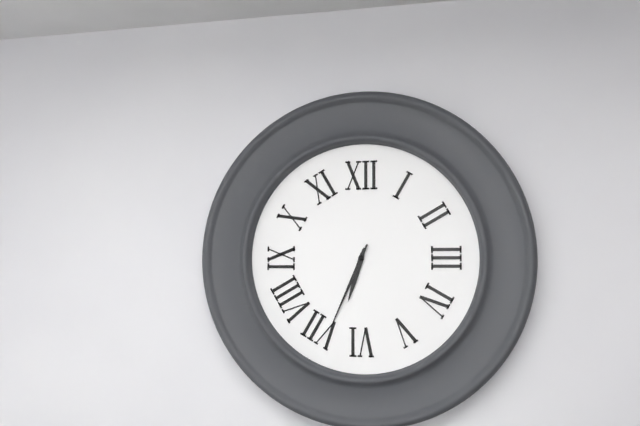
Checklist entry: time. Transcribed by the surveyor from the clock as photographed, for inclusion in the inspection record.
6:34
